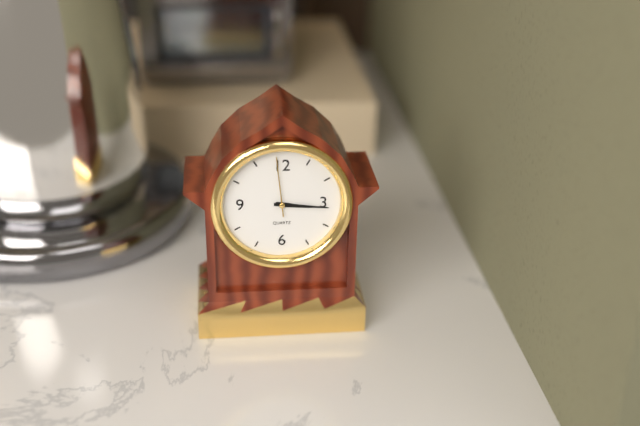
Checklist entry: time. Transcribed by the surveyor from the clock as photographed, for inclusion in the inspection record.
3:16:59
